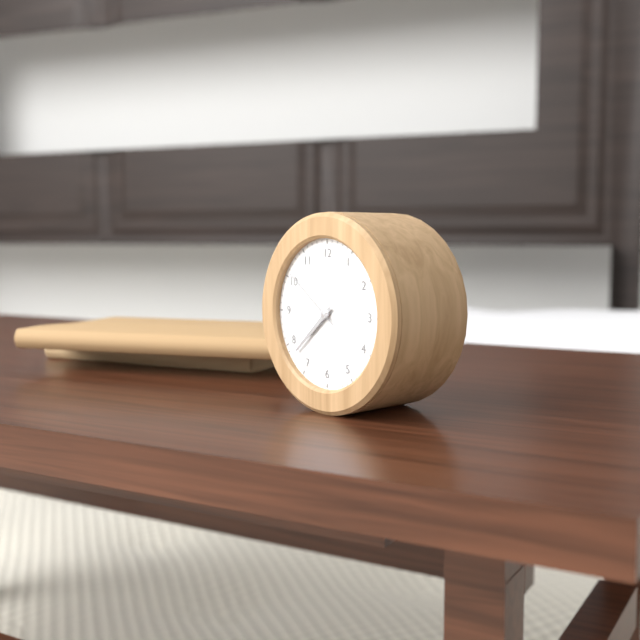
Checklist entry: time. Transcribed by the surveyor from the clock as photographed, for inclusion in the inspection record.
7:38:51
